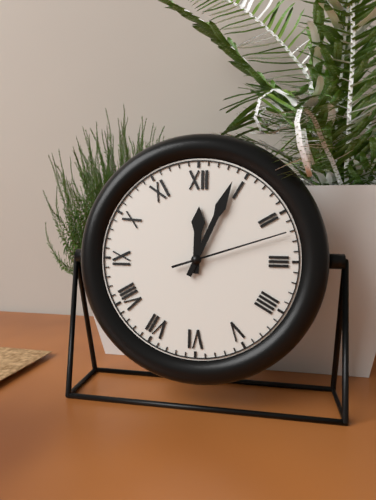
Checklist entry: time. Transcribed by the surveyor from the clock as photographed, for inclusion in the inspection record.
12:04:12
